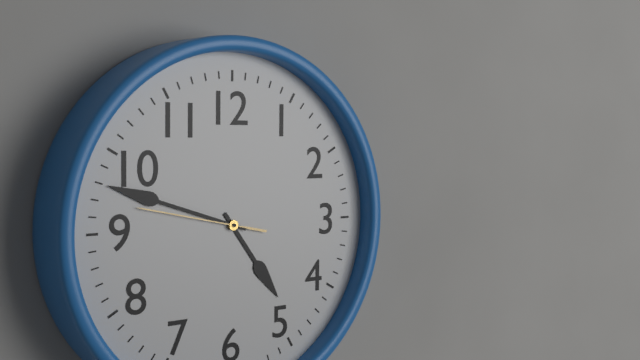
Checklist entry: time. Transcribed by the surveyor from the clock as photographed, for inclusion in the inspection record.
4:48:47
